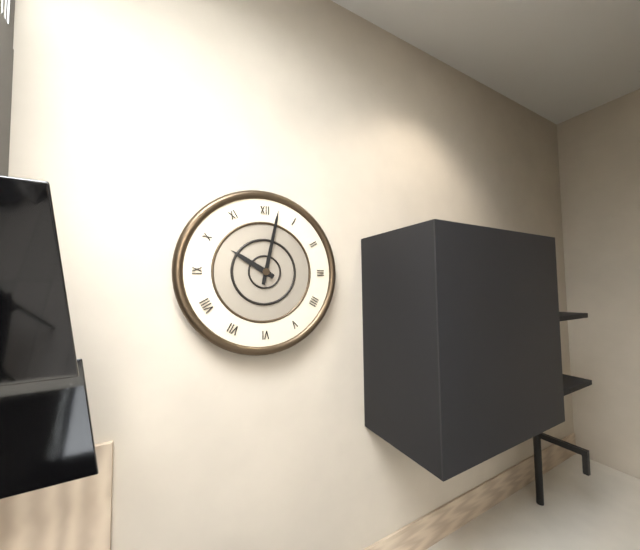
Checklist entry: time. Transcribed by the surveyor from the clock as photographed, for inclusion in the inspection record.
10:02
